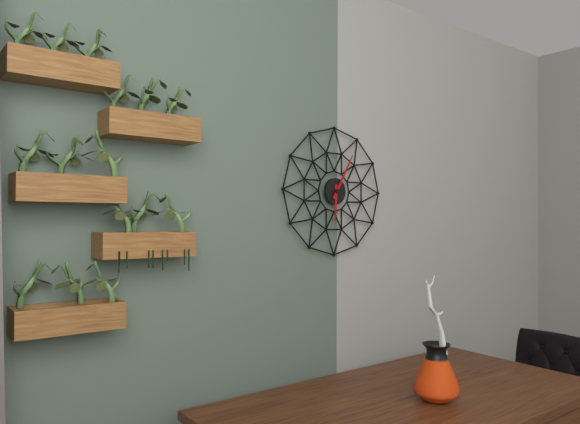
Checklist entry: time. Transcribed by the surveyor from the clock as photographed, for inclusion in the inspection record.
6:05
